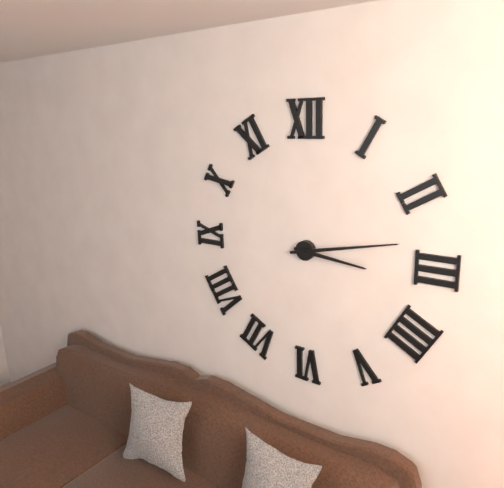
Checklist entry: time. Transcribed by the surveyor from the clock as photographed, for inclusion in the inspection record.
3:13
